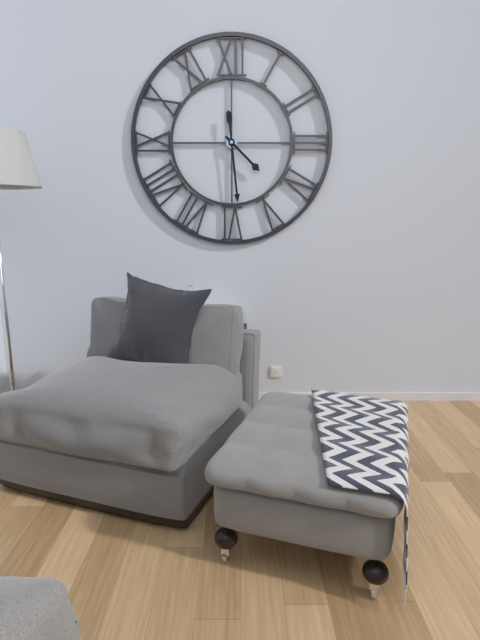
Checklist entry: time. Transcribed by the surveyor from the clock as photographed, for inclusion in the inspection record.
4:29
